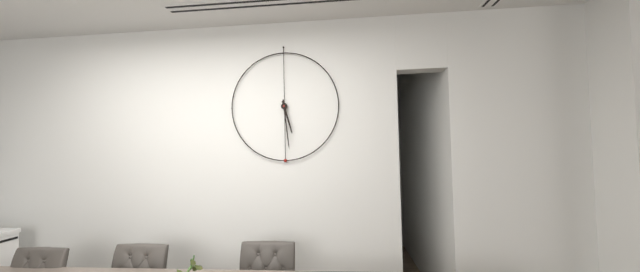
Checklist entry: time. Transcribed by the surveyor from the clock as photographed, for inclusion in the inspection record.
5:29
